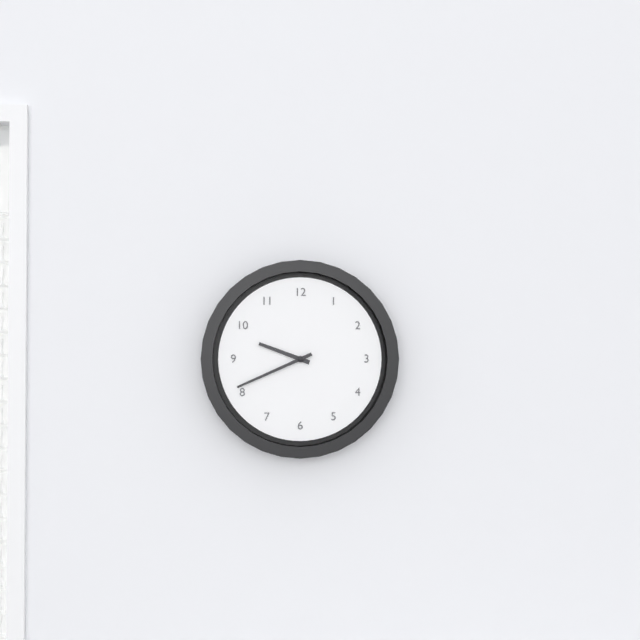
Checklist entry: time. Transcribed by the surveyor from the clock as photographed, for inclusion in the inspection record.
9:41
